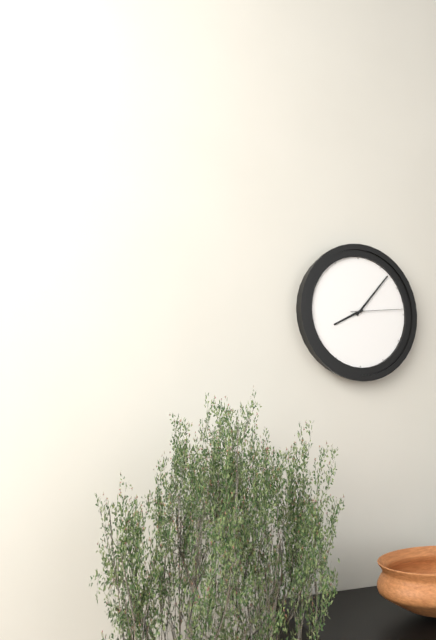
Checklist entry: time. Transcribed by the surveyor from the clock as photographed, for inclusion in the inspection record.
8:07:14
